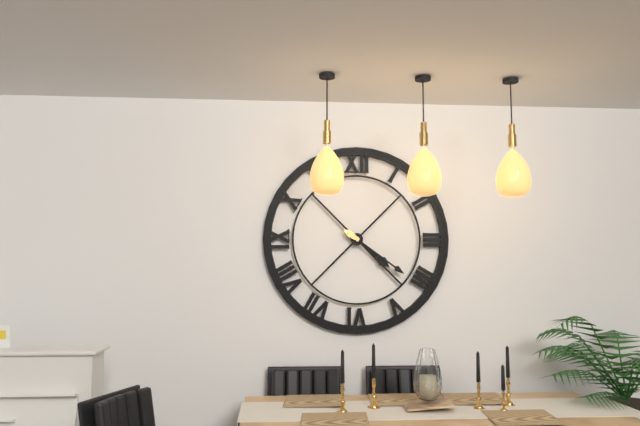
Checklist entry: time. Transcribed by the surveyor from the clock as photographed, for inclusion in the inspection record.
4:21
